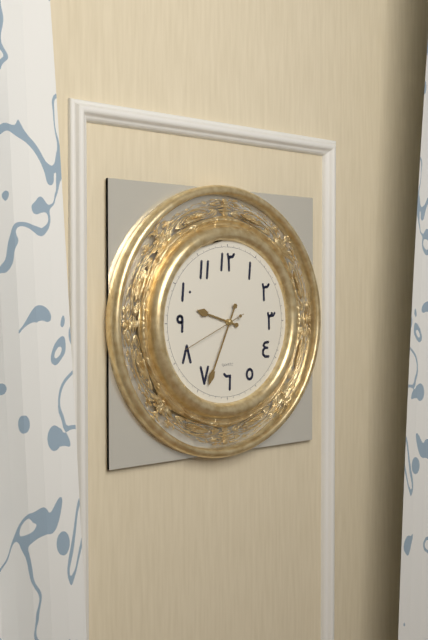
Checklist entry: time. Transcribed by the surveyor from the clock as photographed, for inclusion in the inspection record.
9:34:41
